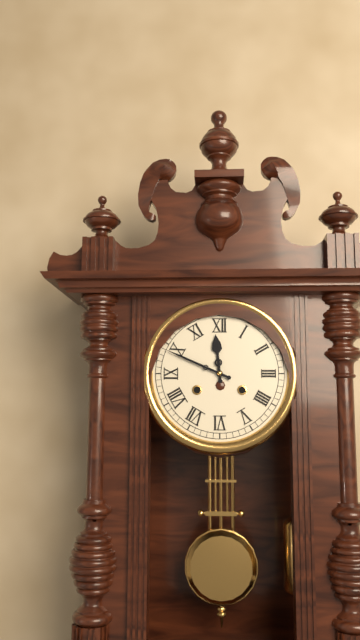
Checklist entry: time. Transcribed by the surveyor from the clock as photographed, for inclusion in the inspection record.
11:49
